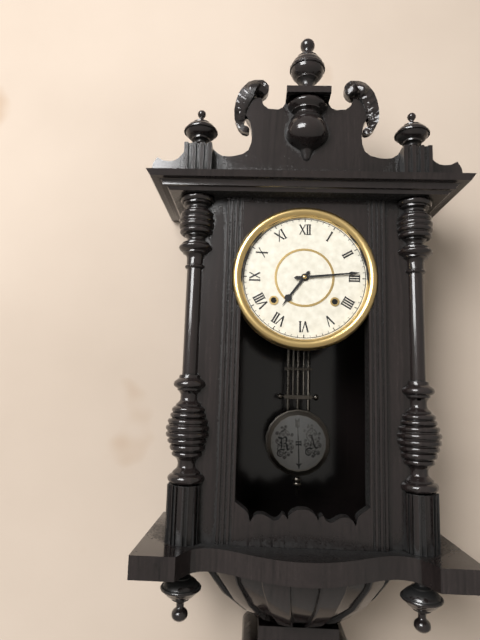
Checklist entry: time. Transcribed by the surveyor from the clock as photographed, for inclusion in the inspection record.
7:14
